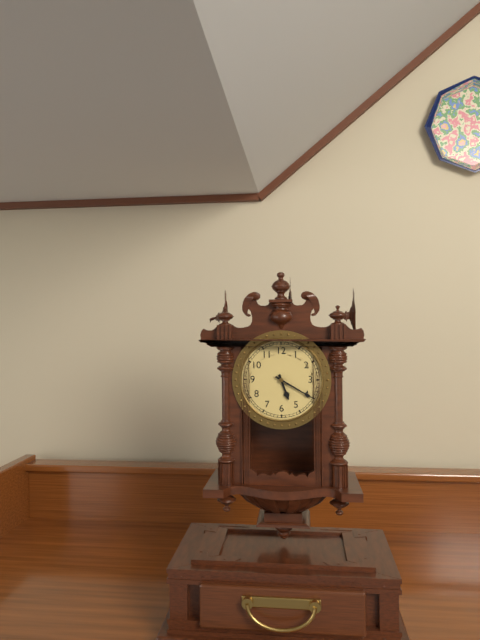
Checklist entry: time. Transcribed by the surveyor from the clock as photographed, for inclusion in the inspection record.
5:20
